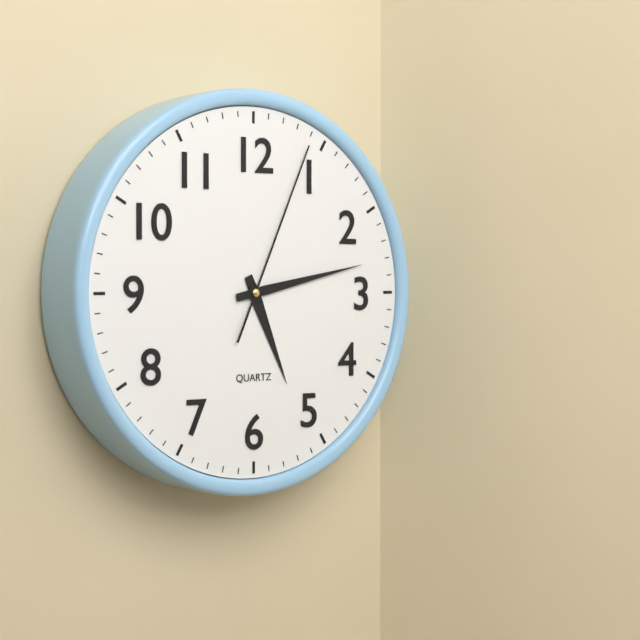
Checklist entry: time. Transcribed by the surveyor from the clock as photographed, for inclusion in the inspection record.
5:13:04
